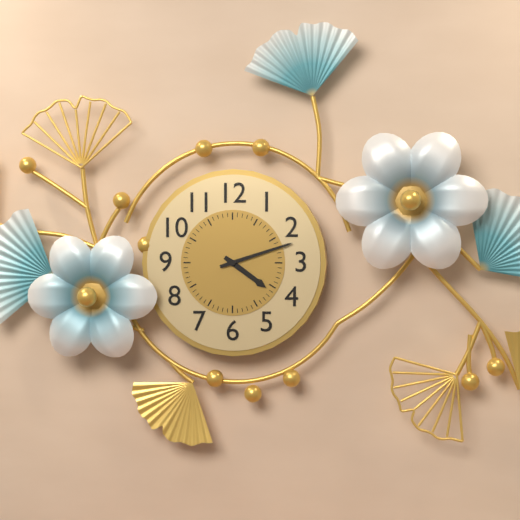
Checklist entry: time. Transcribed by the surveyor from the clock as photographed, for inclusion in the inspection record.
4:12
